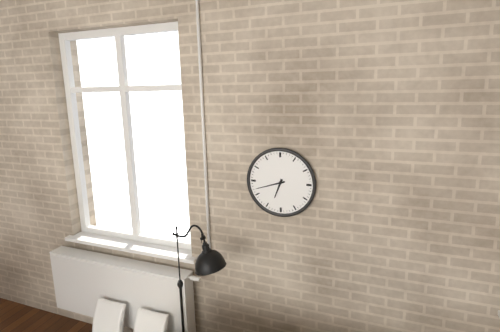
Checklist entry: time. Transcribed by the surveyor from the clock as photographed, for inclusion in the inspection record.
6:42
